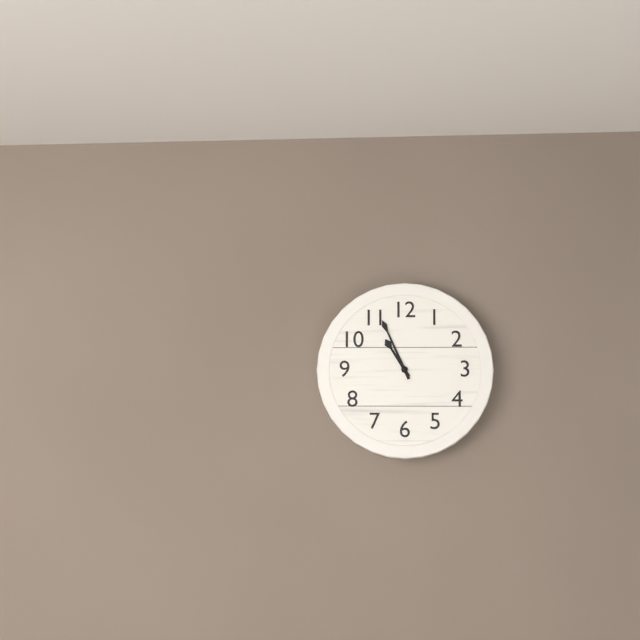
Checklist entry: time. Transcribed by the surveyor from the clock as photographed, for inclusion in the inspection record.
10:56
